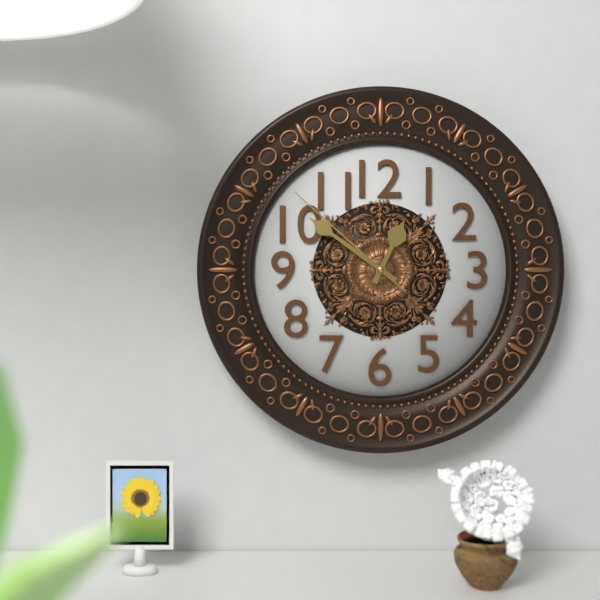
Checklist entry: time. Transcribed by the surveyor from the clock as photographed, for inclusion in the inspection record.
12:51:52
